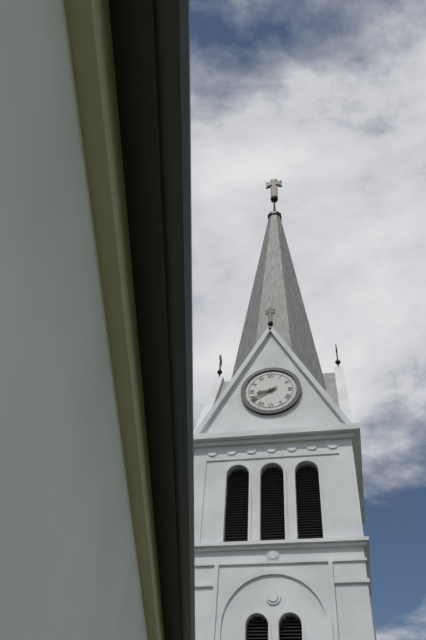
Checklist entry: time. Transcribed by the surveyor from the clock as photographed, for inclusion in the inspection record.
8:40
